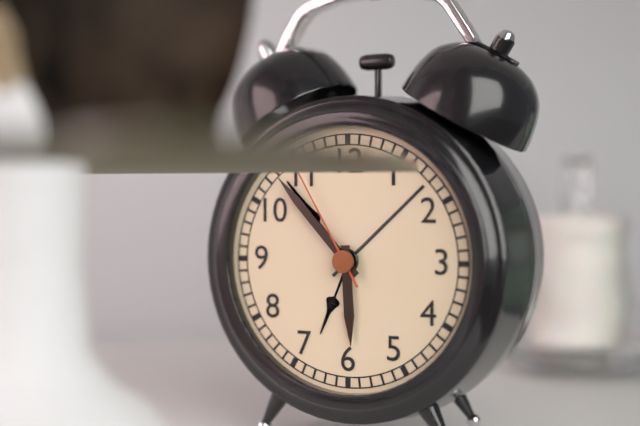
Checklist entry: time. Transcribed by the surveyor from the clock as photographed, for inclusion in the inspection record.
5:53:55
